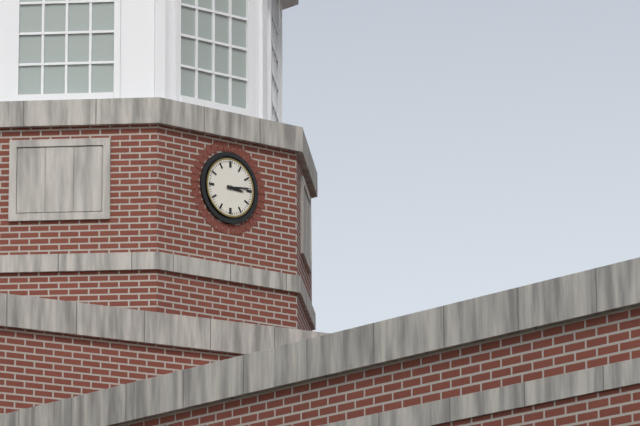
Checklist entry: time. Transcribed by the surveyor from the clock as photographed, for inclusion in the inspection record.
3:14
